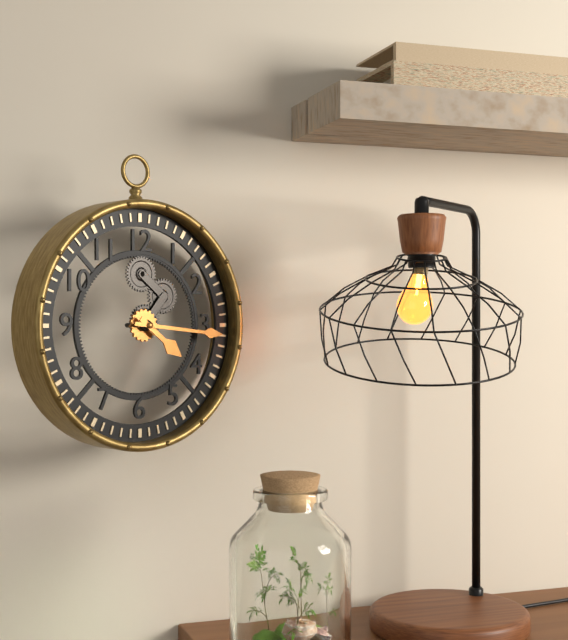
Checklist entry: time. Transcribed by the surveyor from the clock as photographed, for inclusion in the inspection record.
4:16
